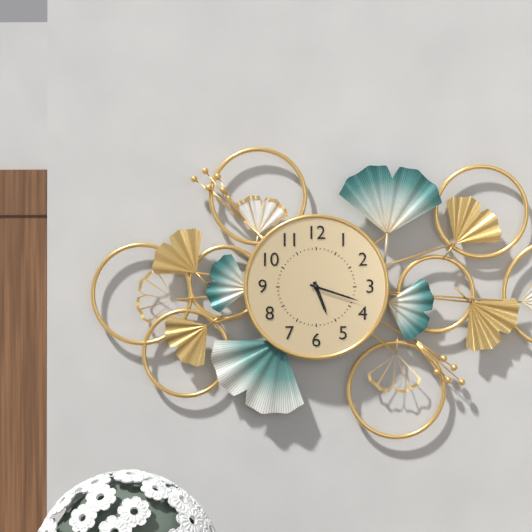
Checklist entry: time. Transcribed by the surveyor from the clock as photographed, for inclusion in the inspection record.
5:18
